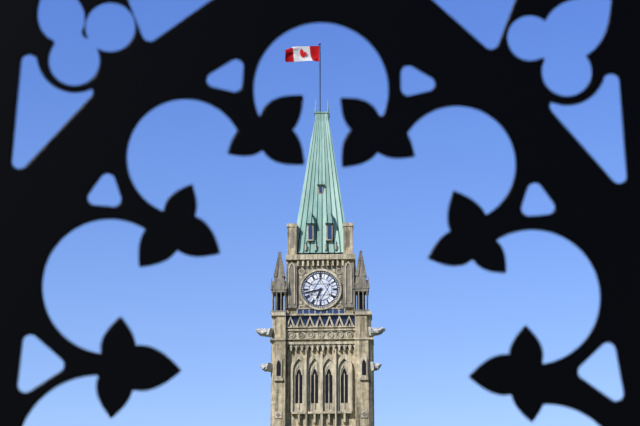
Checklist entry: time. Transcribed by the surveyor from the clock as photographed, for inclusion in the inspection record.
6:43
